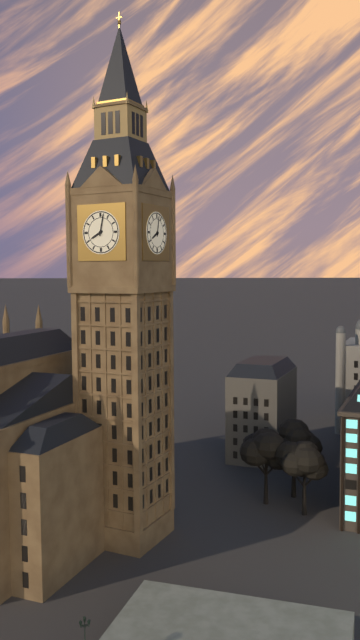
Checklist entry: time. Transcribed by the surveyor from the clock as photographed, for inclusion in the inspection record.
8:02
